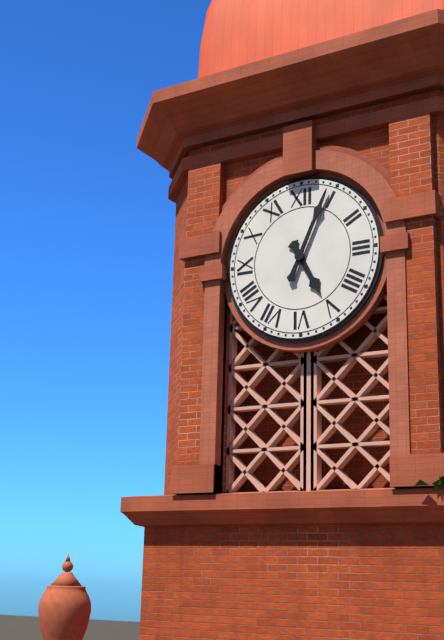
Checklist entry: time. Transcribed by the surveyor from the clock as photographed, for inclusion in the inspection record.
5:04
